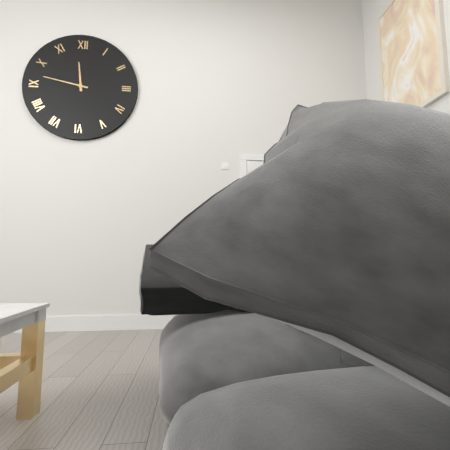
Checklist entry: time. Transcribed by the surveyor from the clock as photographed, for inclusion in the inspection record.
11:47
